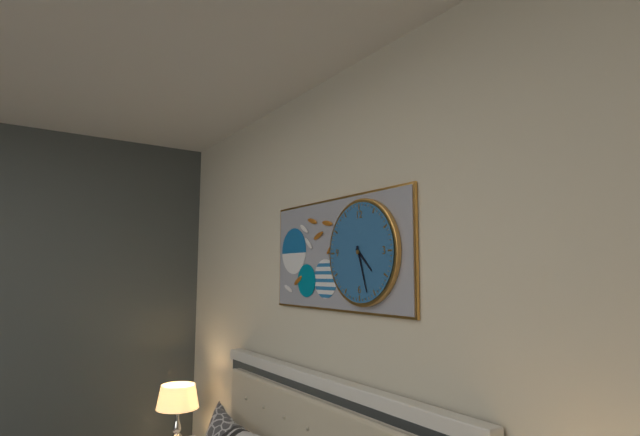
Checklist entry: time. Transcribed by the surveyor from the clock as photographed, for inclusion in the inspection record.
4:27
